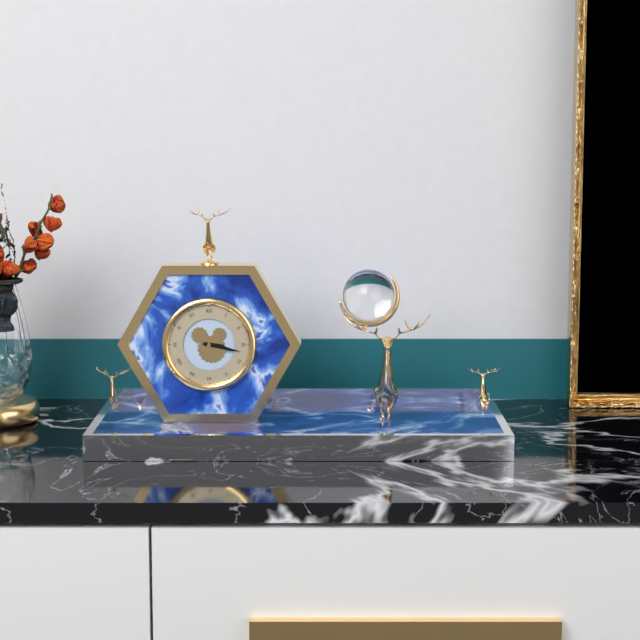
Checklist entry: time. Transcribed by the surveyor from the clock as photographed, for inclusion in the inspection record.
3:17
